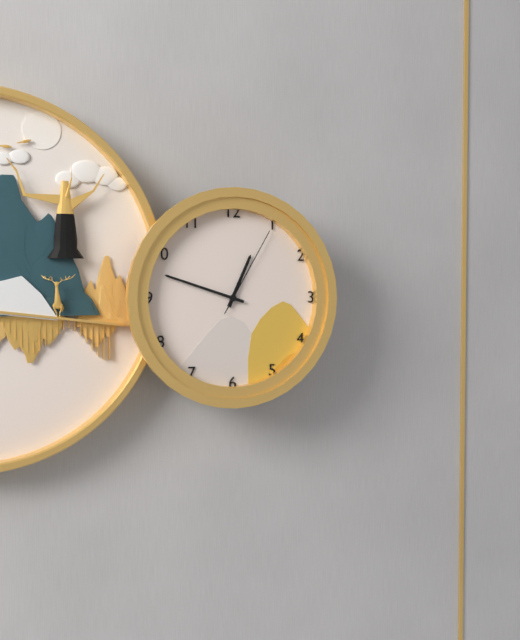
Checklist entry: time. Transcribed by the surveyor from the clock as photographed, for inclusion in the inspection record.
12:48:05
